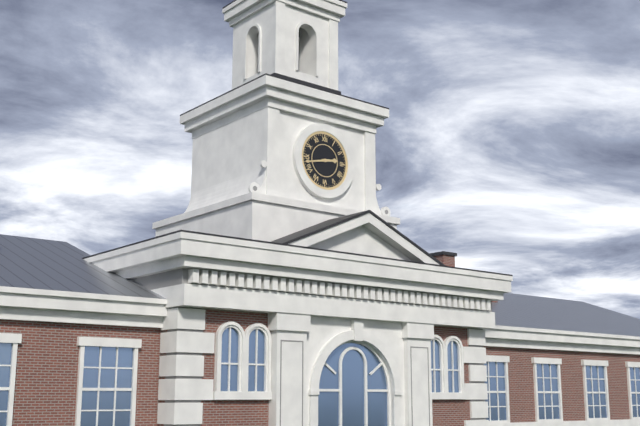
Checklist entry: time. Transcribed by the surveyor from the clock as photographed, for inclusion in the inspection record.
2:43
